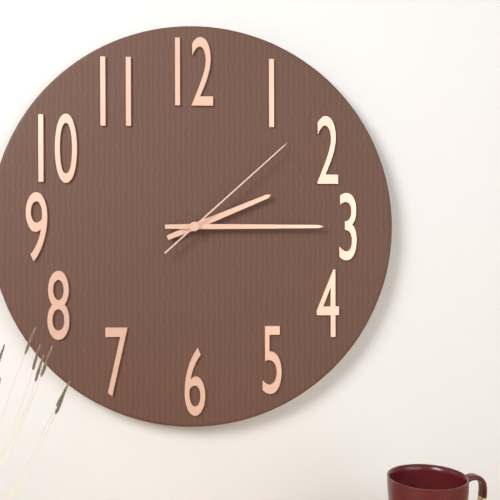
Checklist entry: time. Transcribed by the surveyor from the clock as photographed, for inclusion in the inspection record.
2:15:08
